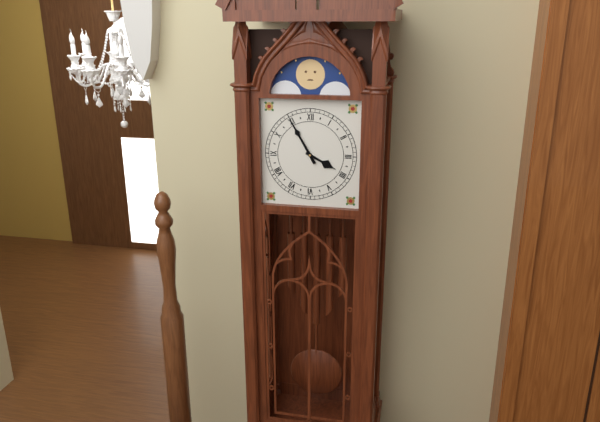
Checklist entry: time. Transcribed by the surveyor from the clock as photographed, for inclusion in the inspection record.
3:55
